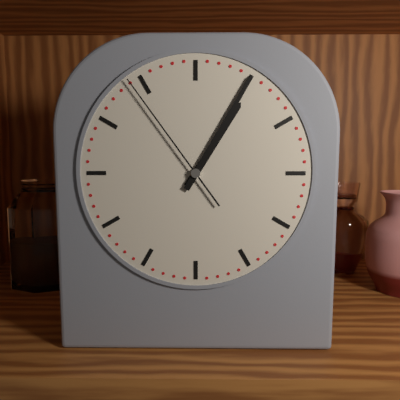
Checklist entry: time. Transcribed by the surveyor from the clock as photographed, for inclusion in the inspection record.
1:05:54
